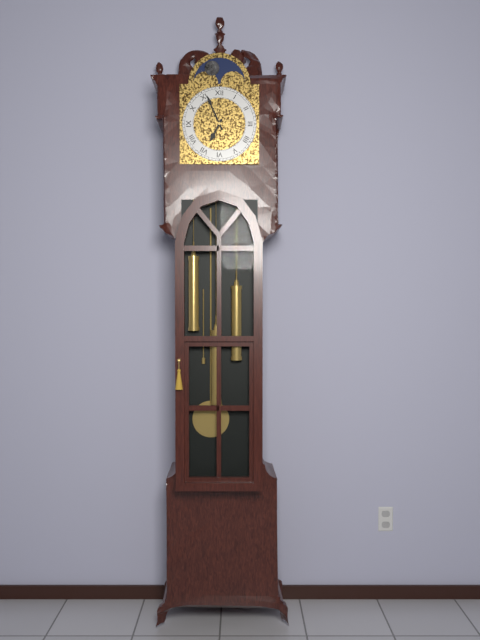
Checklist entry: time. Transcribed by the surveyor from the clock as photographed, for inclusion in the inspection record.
6:56
